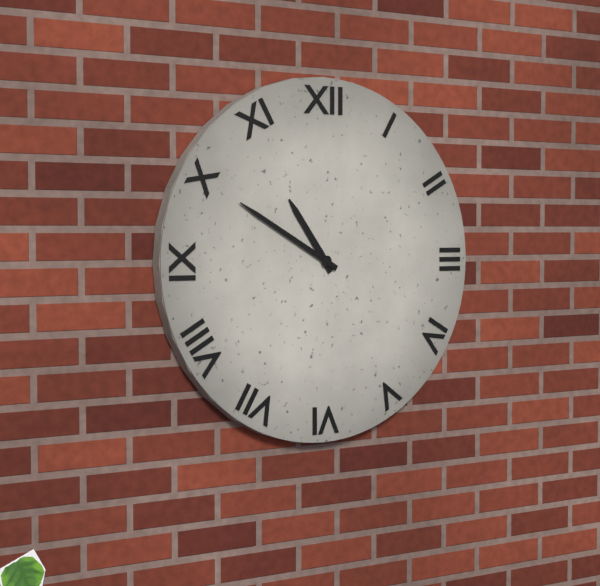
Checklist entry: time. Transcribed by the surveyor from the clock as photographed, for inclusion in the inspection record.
10:50
